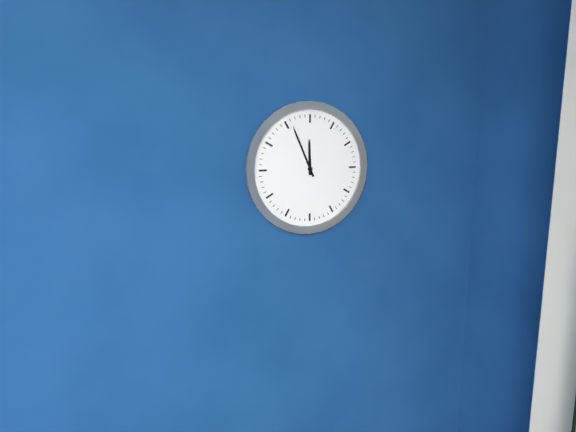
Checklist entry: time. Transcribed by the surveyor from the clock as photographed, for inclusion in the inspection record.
11:56
